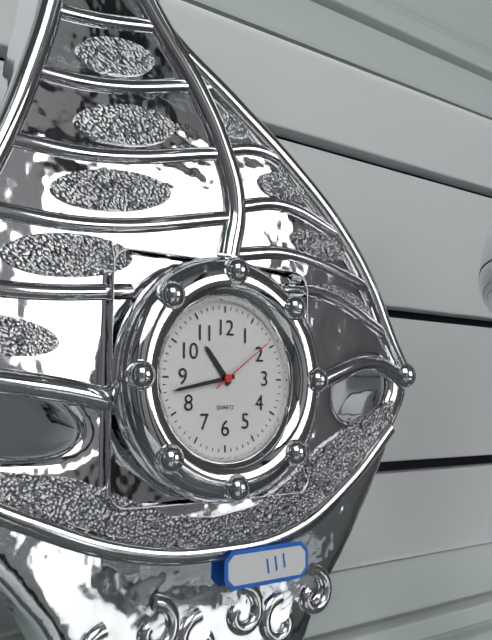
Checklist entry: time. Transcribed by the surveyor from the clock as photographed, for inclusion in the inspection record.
10:43:09
